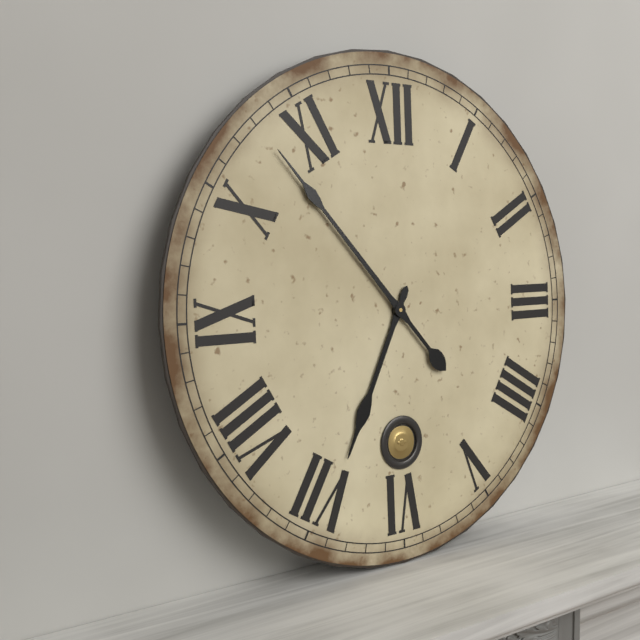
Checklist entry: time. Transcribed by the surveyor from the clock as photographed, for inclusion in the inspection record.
6:53
